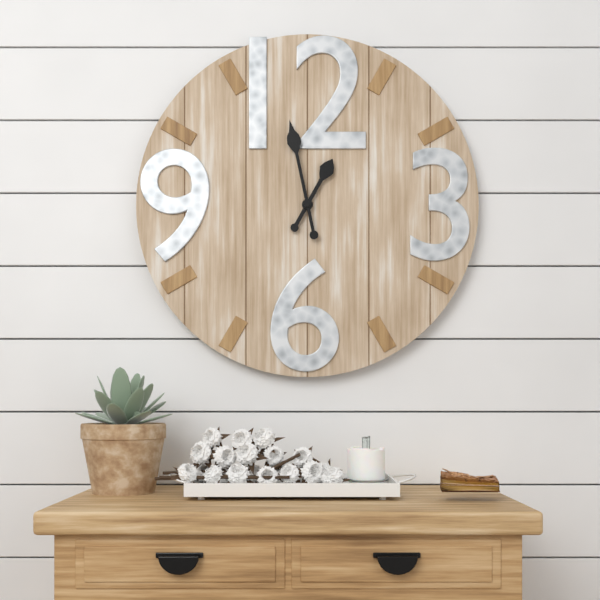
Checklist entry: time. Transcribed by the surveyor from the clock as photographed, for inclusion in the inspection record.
12:58
